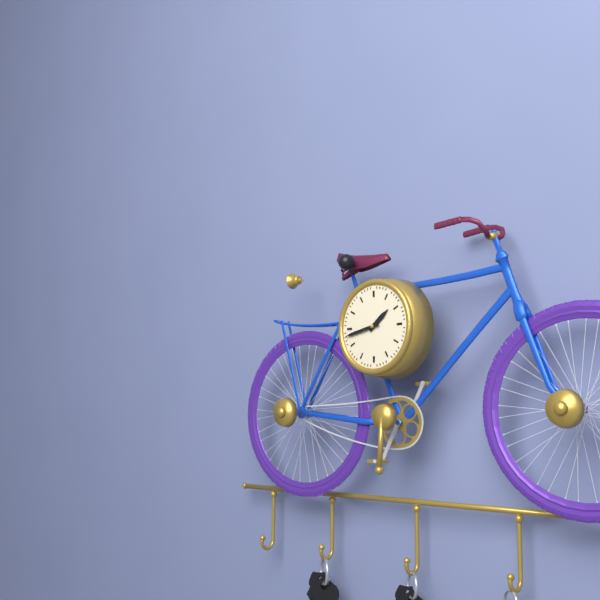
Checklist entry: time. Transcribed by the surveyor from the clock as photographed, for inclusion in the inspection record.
1:43
